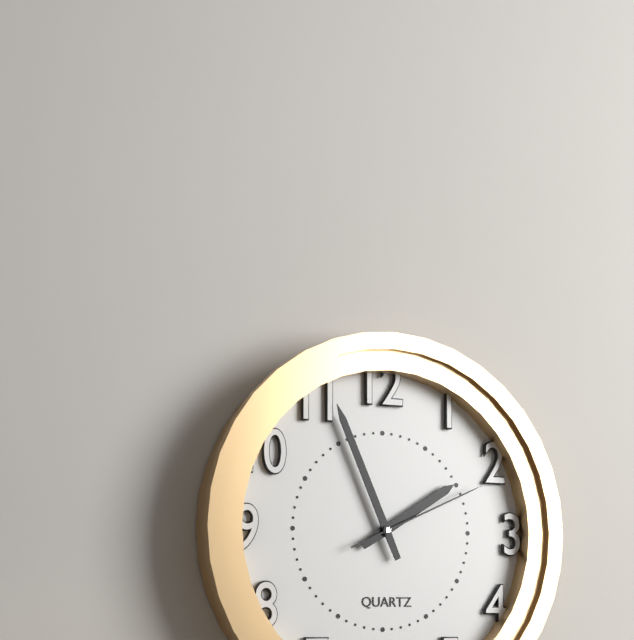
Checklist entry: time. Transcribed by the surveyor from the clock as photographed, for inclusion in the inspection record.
1:56:11
